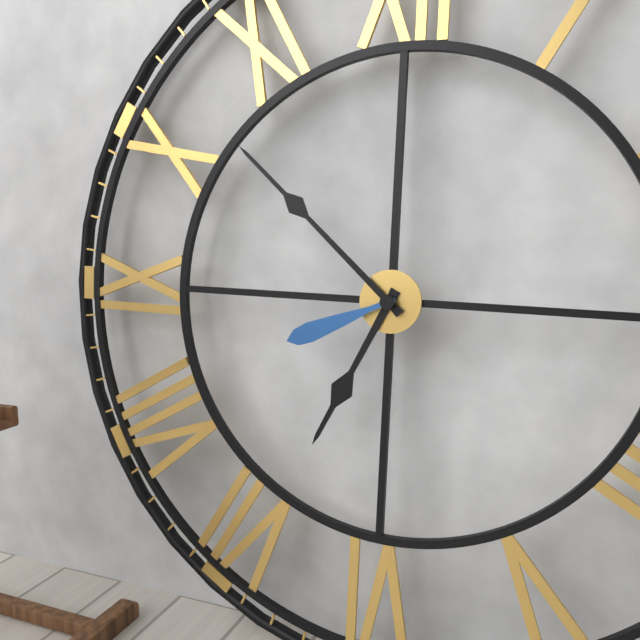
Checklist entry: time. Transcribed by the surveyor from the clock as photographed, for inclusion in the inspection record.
6:52:41
